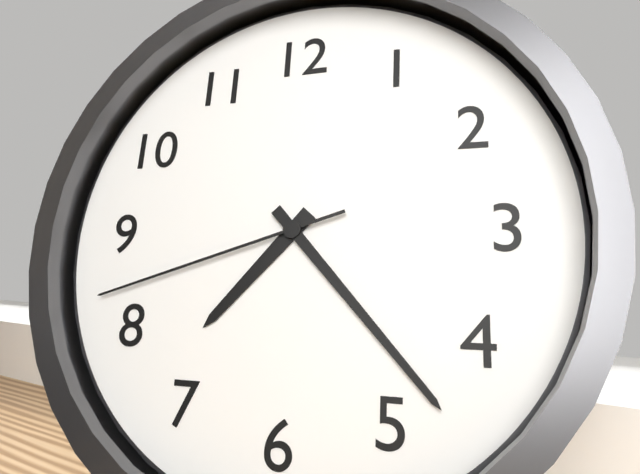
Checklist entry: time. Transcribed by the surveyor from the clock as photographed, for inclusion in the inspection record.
7:23:42
